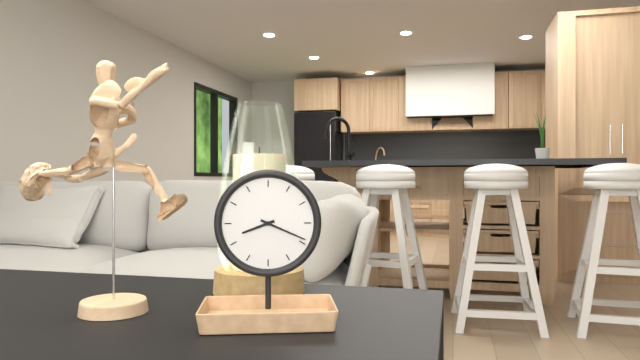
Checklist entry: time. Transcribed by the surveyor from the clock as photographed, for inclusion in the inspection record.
8:19
